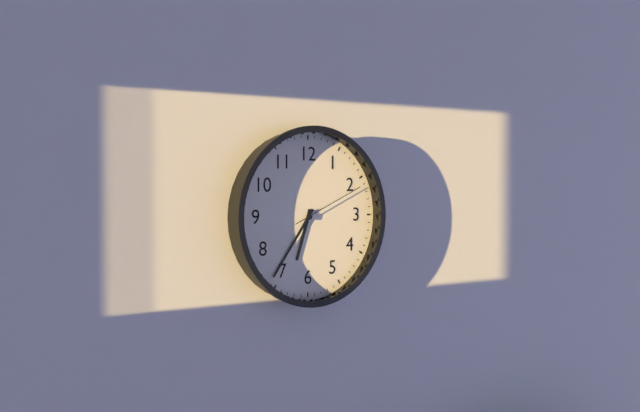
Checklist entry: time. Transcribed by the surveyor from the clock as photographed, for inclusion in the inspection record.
6:36:11
